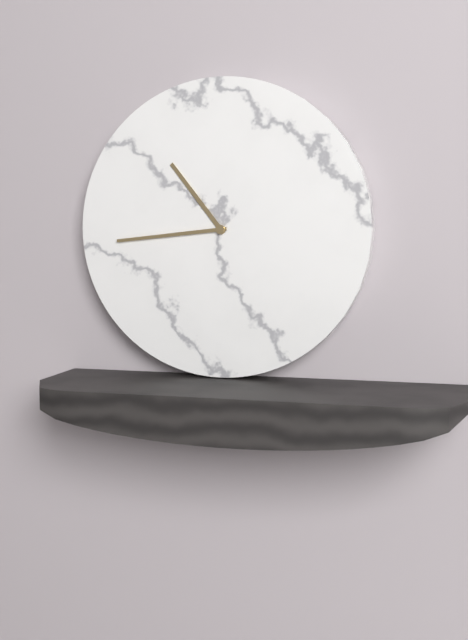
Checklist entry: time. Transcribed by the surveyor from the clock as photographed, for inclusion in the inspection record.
10:44
